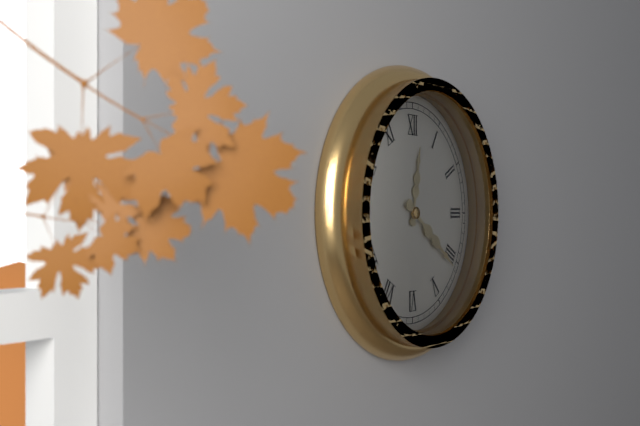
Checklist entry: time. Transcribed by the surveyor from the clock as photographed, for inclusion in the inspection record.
12:21
